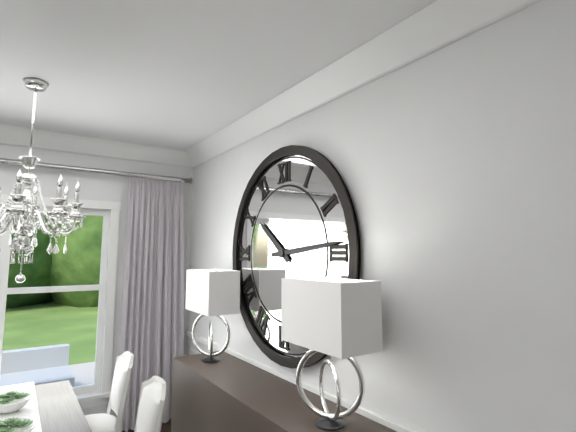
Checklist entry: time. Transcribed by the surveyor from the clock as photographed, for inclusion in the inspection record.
10:14
